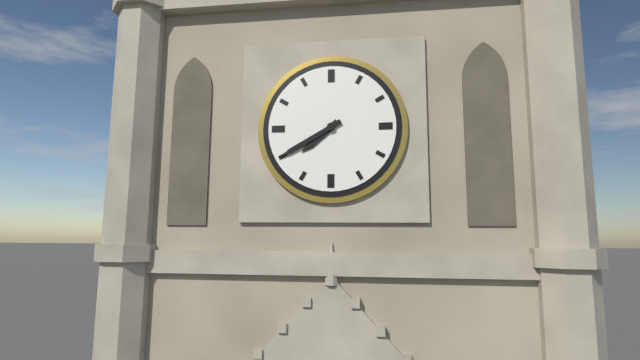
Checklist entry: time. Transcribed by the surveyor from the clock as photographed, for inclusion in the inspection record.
7:40
